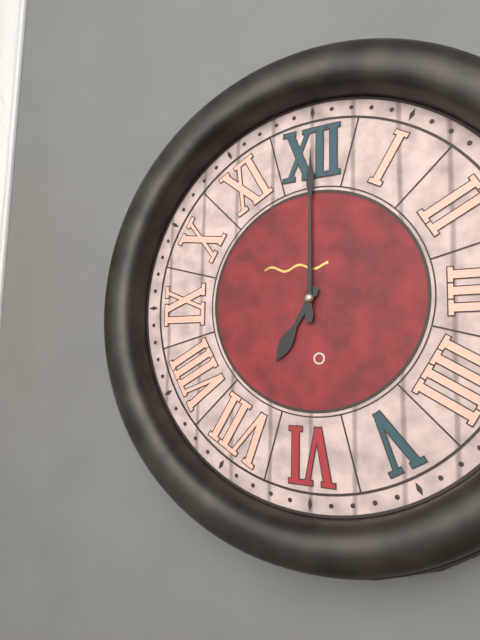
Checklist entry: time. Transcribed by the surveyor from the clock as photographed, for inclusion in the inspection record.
7:00
